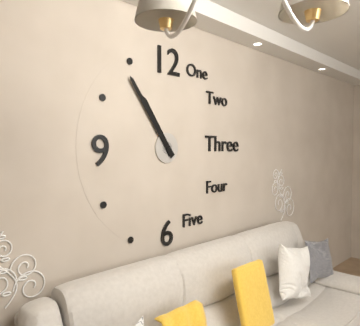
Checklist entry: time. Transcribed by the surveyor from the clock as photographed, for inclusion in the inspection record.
10:54
